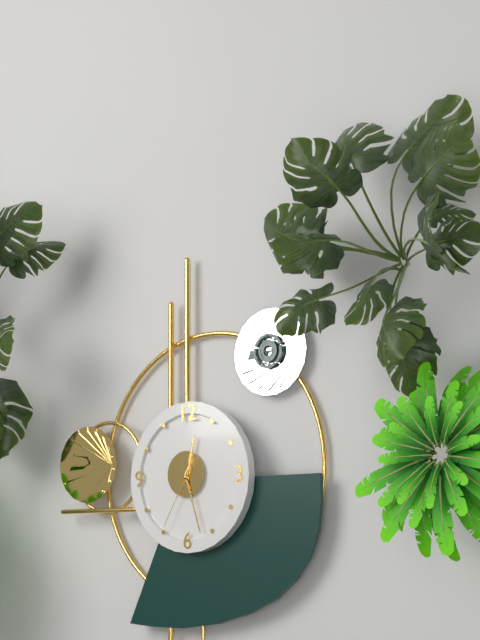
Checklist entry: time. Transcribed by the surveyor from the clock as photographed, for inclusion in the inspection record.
12:27:35
